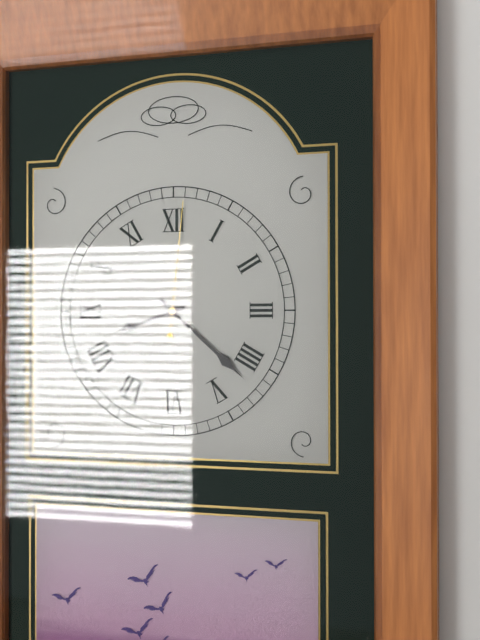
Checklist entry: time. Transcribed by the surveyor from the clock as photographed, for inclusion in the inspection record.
8:22:01
